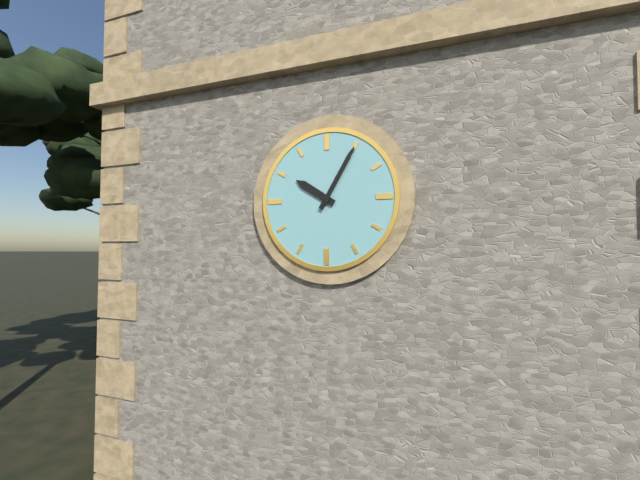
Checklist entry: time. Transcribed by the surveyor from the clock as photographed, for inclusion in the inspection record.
10:05
